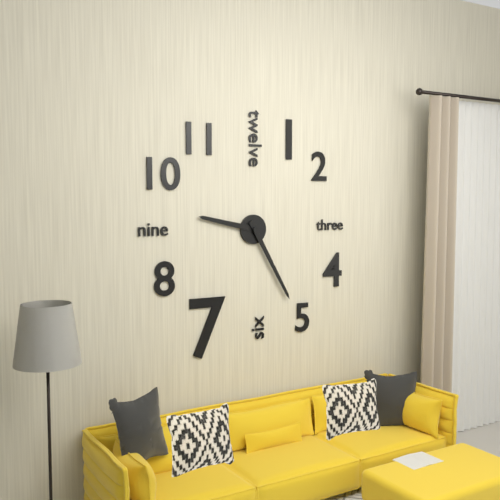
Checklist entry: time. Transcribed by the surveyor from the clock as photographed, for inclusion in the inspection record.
9:25
